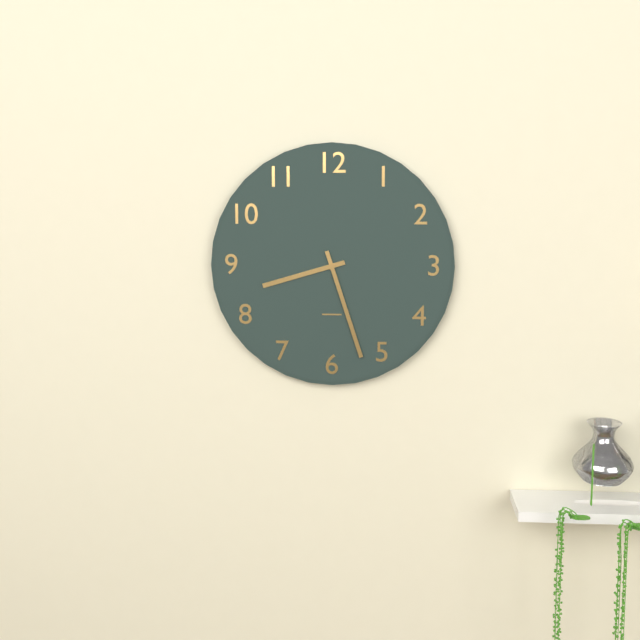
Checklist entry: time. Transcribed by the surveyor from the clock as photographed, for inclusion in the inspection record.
8:27
